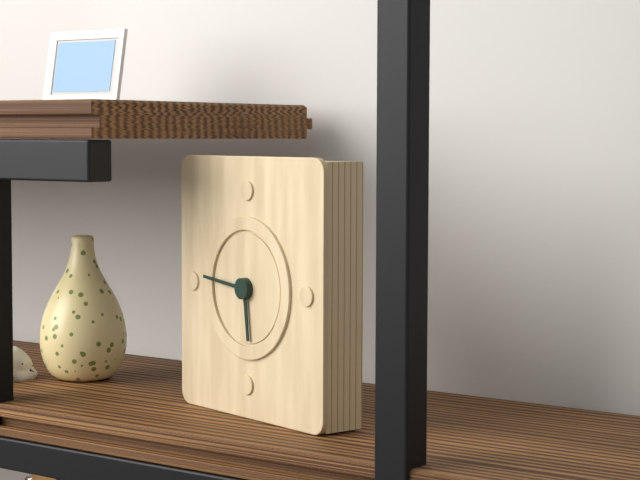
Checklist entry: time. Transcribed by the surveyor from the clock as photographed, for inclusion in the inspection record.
5:46
